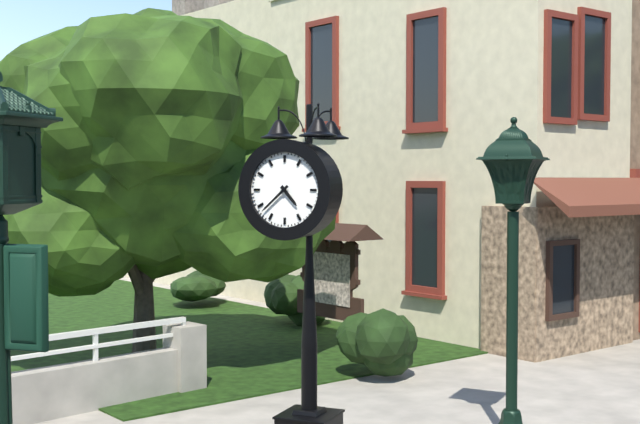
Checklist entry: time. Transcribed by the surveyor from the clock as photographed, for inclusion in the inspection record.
4:38
